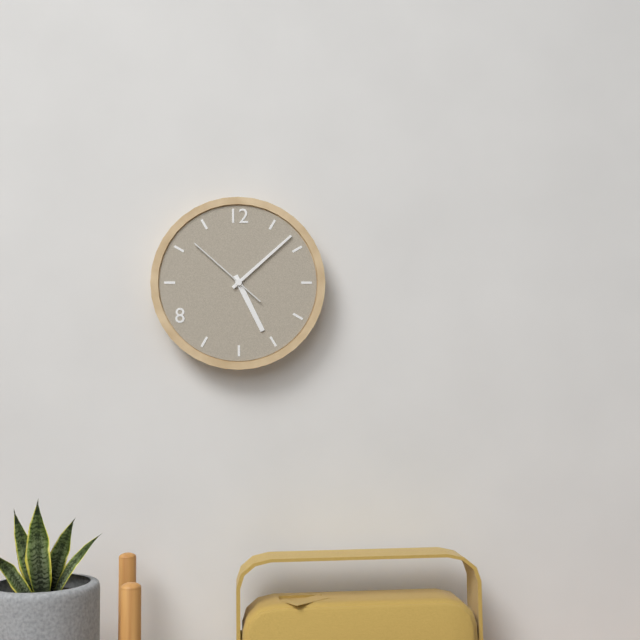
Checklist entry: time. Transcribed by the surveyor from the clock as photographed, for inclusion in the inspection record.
5:08:52
